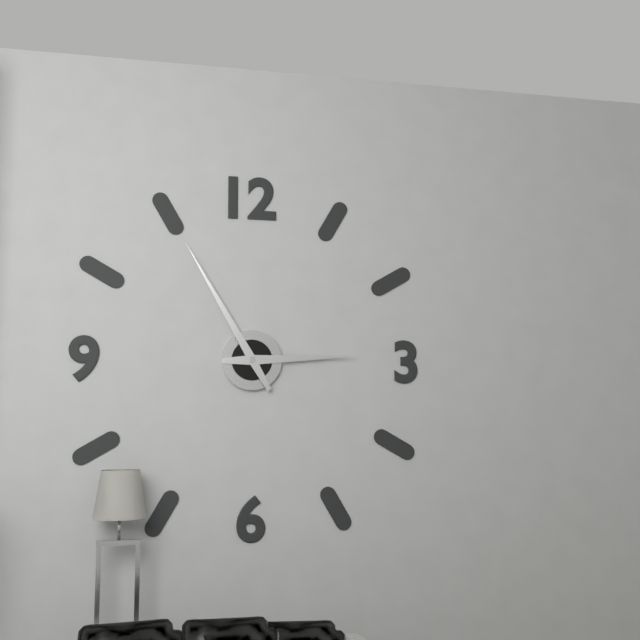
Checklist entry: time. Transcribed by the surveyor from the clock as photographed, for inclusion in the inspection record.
2:55
